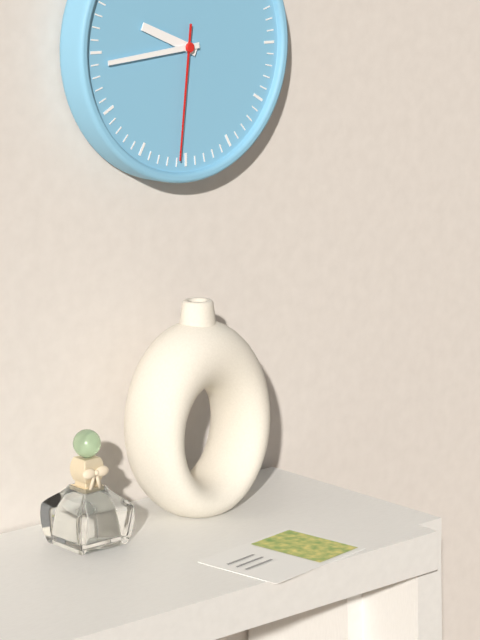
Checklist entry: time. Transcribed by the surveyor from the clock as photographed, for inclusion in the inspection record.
9:44:31
